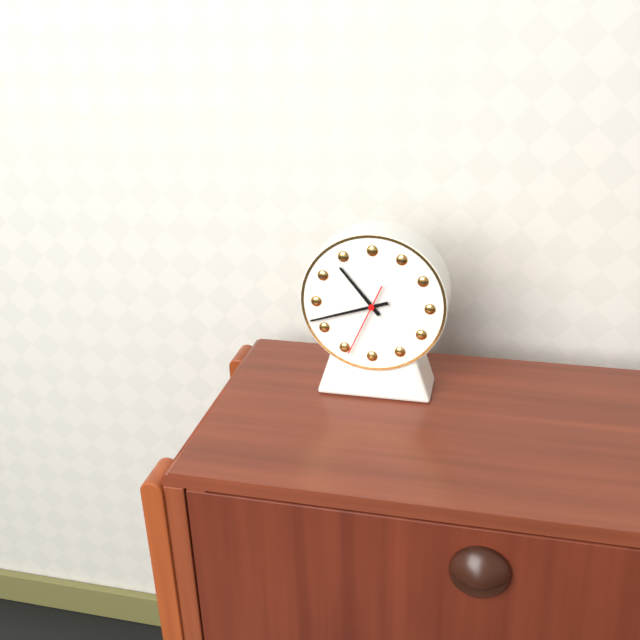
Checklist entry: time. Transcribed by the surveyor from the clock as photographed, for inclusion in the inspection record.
10:42:34
